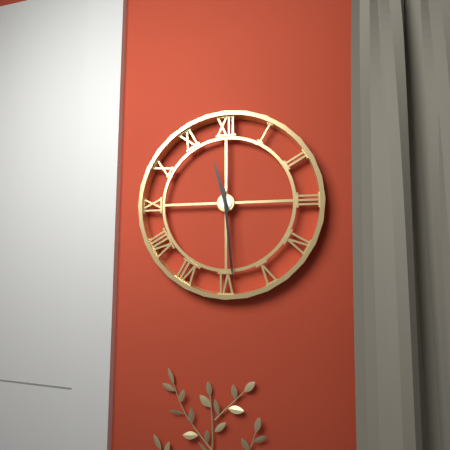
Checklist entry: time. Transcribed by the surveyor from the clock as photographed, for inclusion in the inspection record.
11:29
